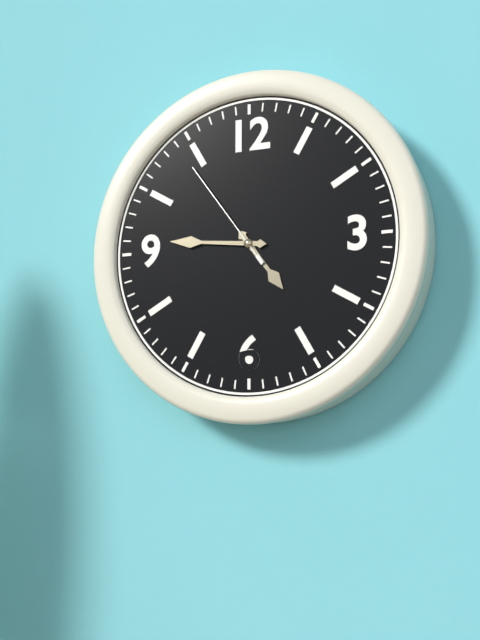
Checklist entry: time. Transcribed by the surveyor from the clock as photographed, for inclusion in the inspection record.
4:46:54
